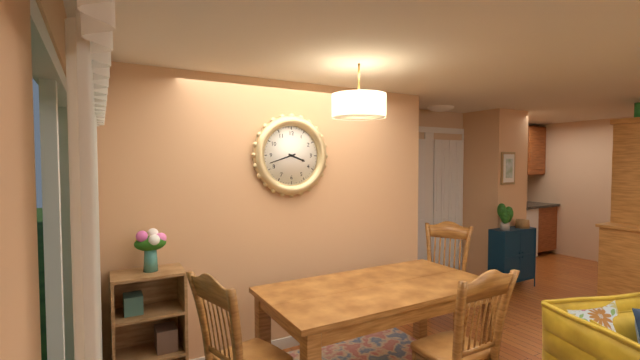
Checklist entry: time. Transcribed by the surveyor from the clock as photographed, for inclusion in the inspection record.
3:42
